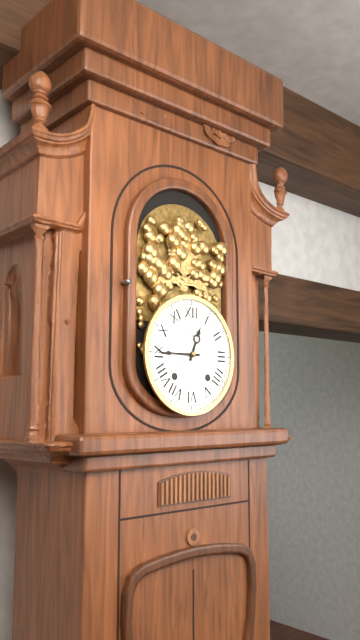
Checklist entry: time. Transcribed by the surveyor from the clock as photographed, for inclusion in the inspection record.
12:45
